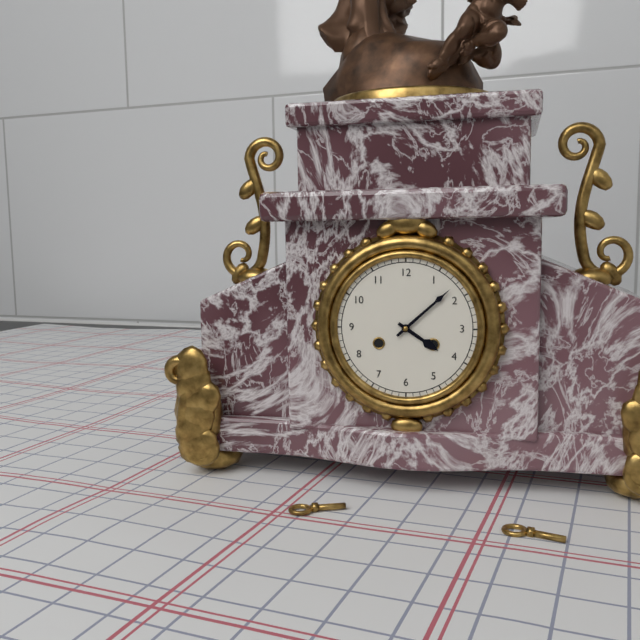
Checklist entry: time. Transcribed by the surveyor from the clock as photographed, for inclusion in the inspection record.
4:08
